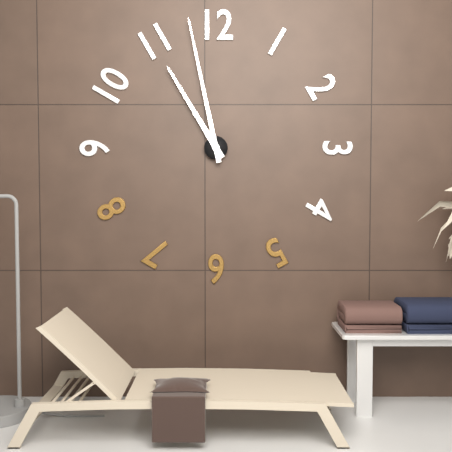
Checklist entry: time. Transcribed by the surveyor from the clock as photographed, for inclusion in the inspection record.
10:58
